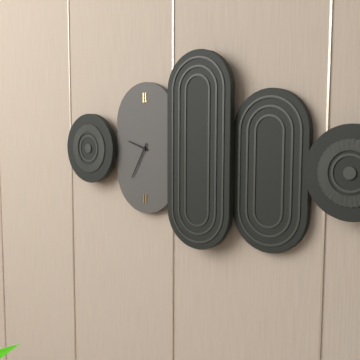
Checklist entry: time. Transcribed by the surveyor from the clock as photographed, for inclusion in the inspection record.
9:35
